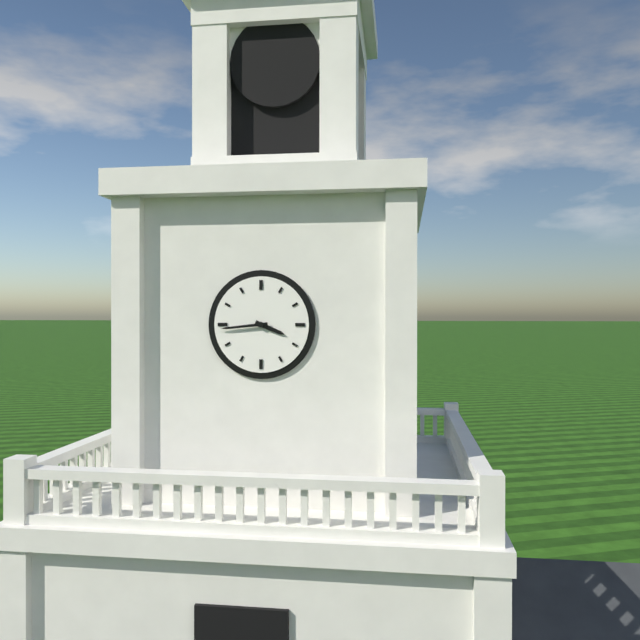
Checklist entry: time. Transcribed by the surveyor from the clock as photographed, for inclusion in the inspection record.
3:44
